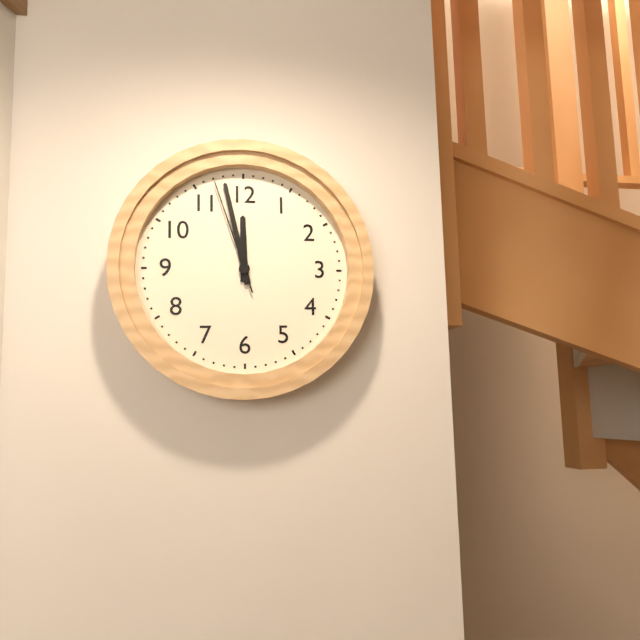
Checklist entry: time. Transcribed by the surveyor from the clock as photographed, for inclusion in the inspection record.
11:58:57
